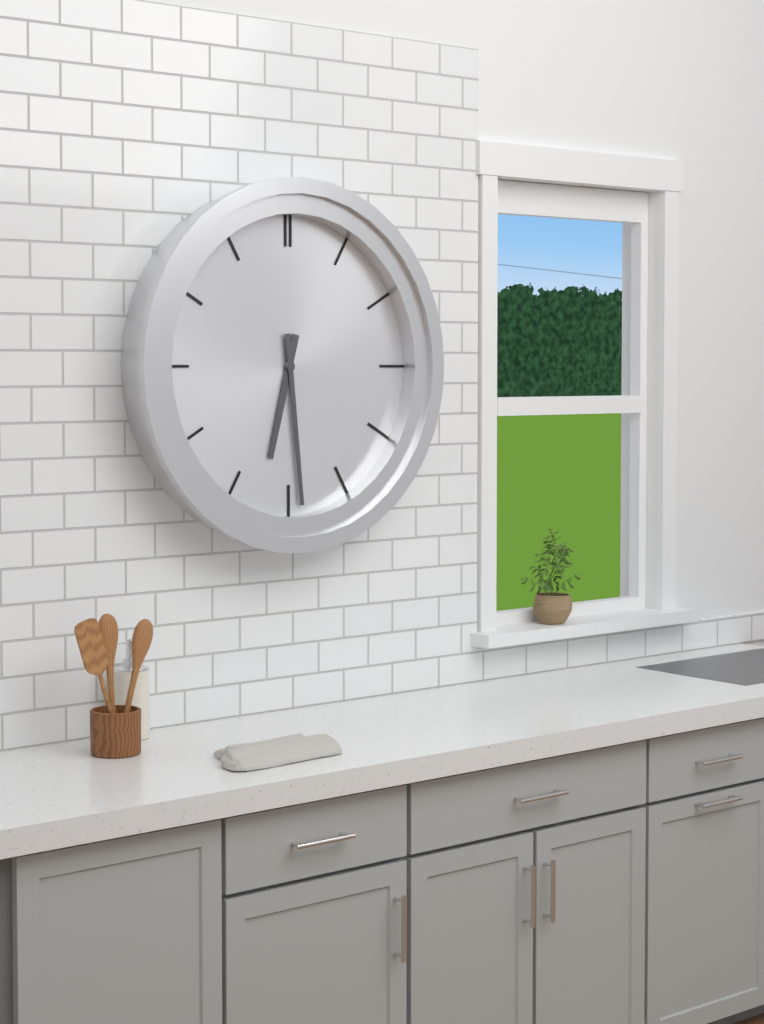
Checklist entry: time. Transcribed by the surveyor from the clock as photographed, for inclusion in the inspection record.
6:29
